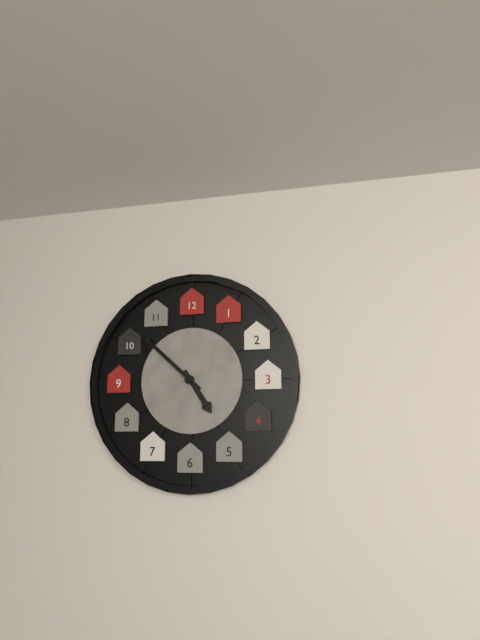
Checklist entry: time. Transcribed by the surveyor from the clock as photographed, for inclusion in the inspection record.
4:52
